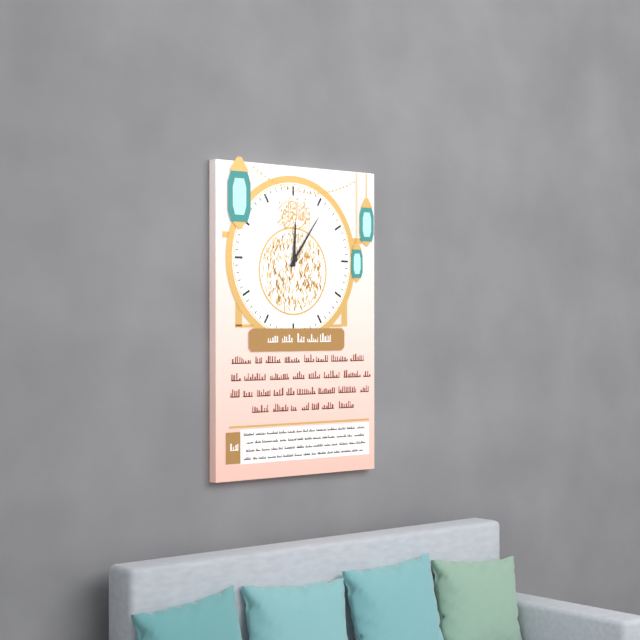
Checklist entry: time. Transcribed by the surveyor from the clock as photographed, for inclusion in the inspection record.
12:06
